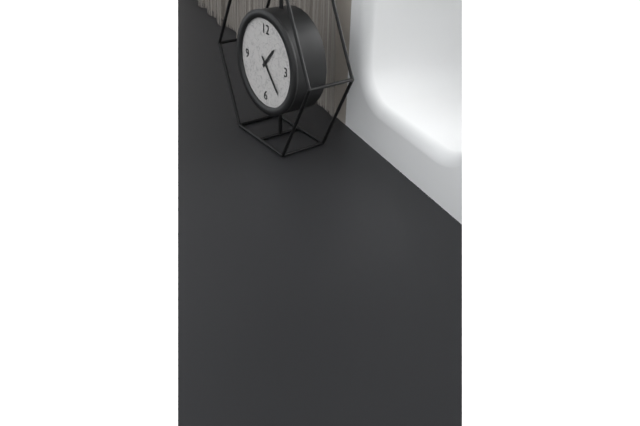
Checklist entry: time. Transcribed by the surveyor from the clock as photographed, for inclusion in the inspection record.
1:23
